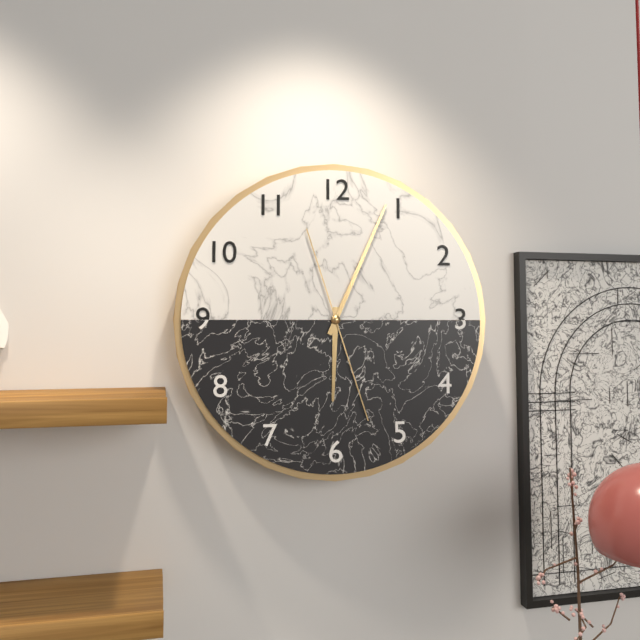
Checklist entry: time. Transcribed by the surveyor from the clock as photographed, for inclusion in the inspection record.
6:04:27
